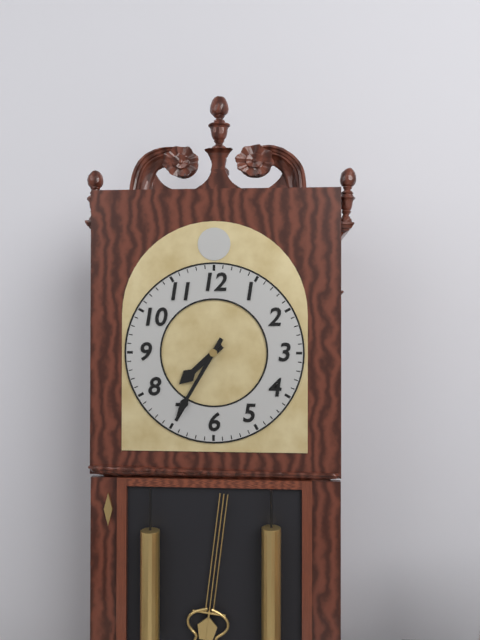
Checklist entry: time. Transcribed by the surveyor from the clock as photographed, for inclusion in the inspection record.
7:35
